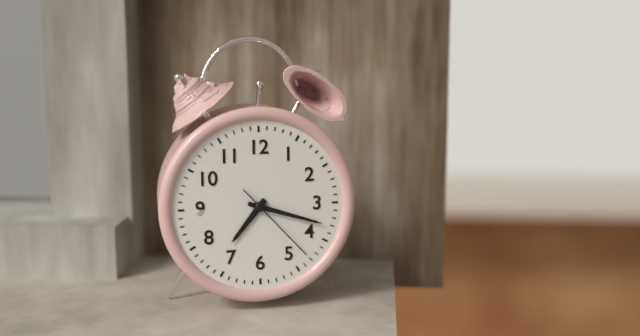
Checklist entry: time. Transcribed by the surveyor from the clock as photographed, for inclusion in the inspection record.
7:18:23
